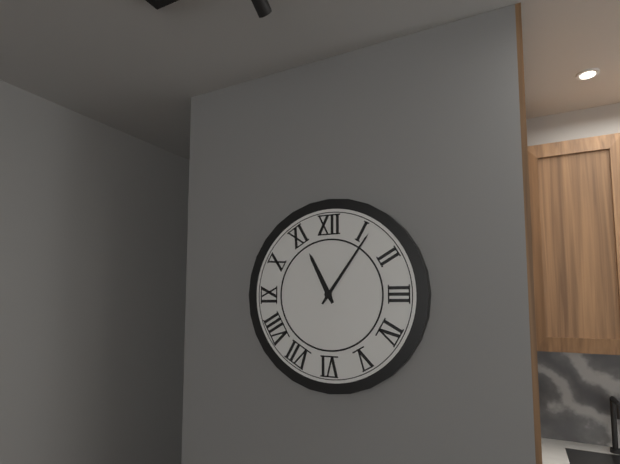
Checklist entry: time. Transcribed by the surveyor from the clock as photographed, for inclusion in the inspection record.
11:06
